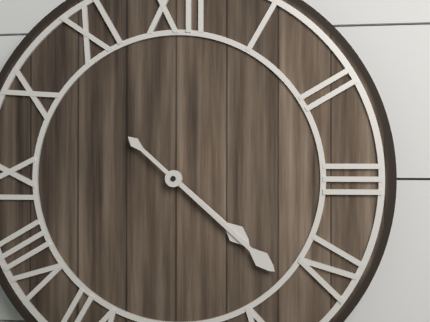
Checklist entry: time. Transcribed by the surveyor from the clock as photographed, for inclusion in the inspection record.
4:22
